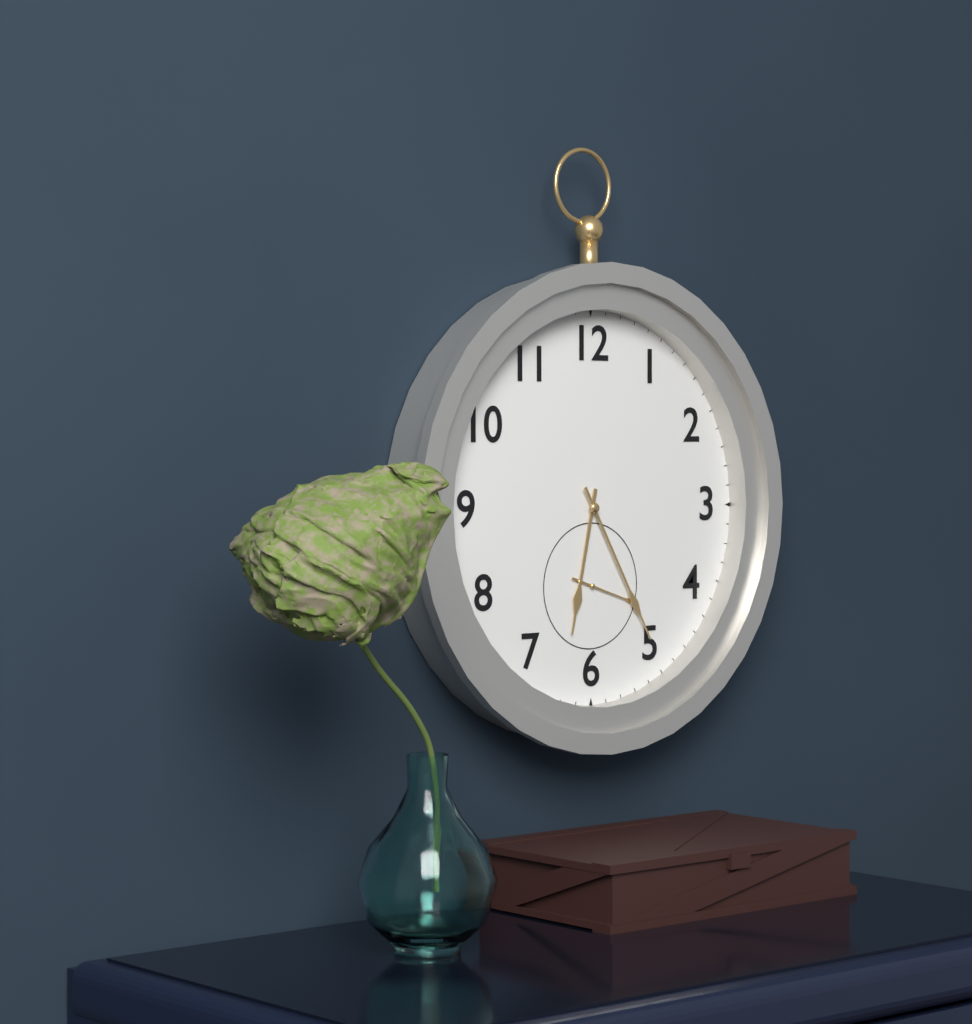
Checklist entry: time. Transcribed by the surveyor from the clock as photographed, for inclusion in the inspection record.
6:25:18
